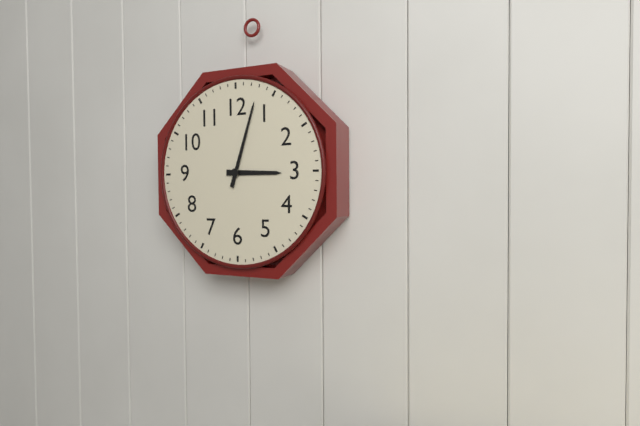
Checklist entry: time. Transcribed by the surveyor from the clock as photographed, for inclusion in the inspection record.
3:03
